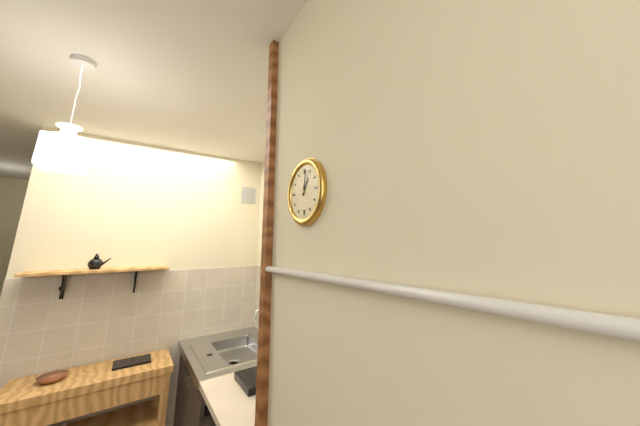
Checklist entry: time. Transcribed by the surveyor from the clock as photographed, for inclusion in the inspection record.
1:02
